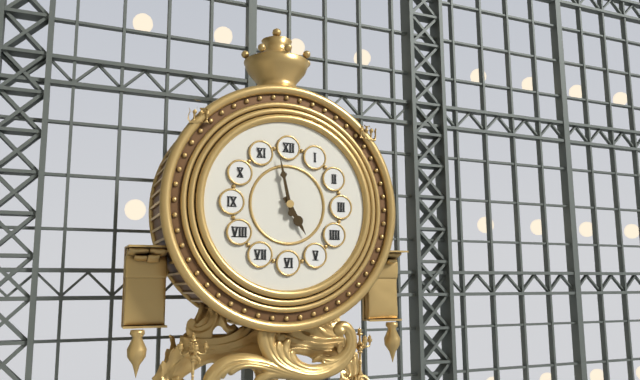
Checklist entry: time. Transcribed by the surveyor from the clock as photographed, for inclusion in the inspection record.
4:58
